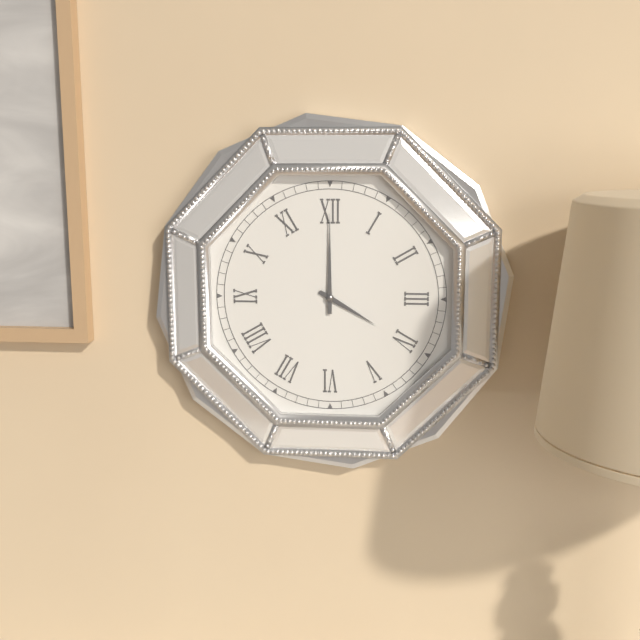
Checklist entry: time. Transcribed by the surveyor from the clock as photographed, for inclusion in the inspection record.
4:00
